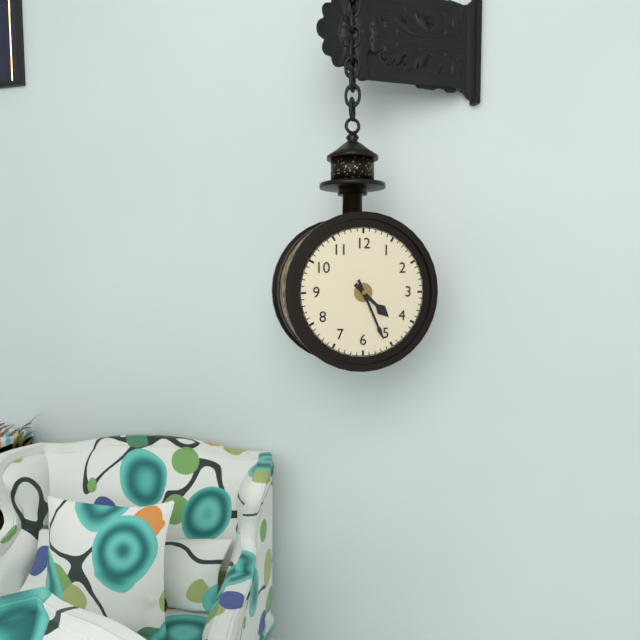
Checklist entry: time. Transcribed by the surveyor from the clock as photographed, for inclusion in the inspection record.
4:26
